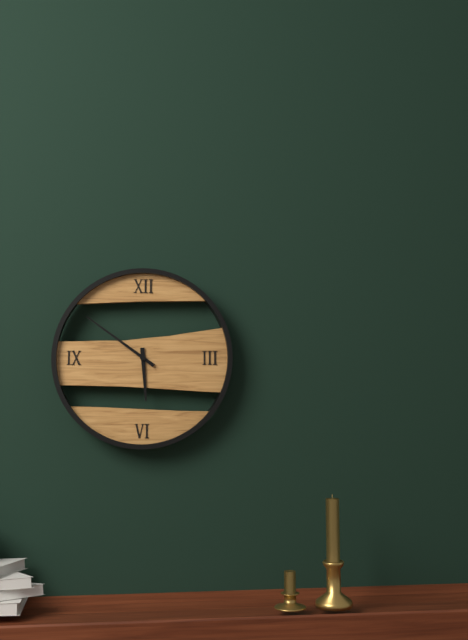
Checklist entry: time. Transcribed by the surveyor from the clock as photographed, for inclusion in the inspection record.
5:51
